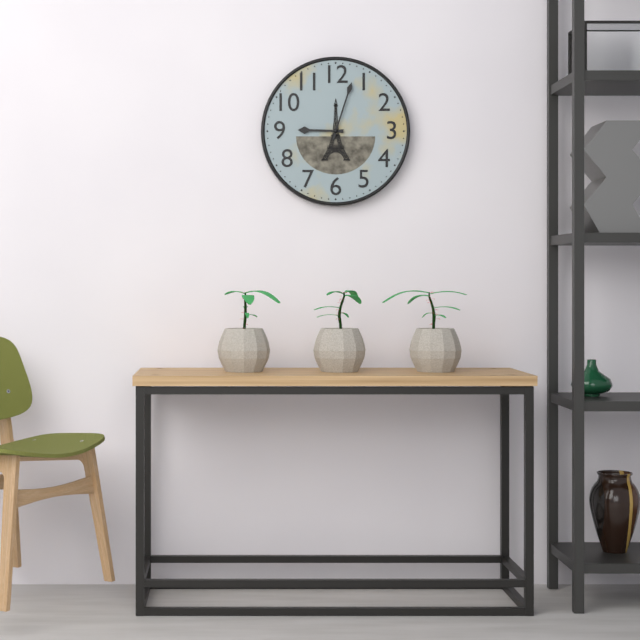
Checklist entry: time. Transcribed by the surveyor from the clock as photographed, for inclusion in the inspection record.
9:03
